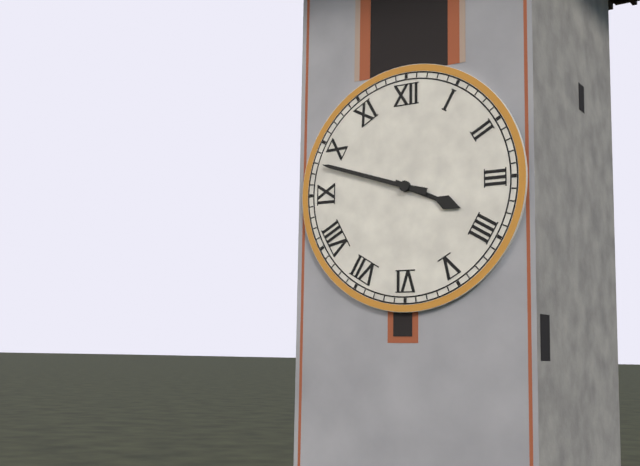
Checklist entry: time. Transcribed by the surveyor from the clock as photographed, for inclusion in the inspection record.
3:48
